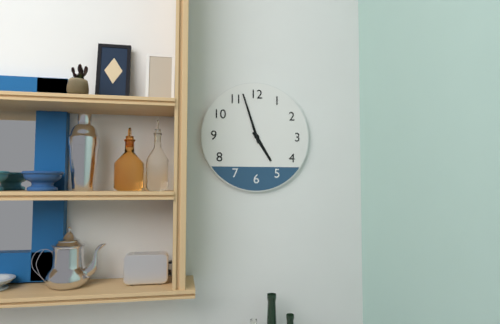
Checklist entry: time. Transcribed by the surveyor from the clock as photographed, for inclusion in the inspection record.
4:57
